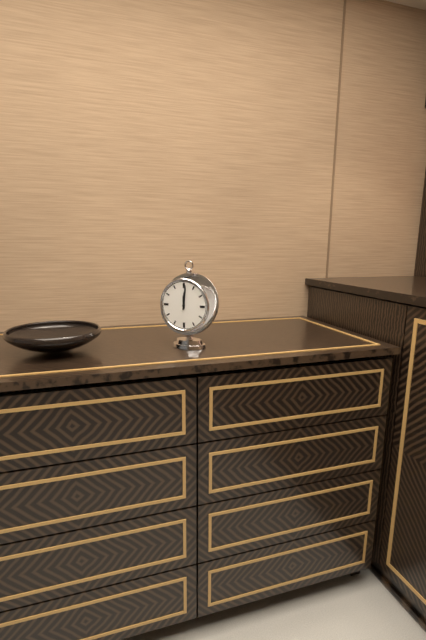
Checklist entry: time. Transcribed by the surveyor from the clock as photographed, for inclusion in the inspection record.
12:01
